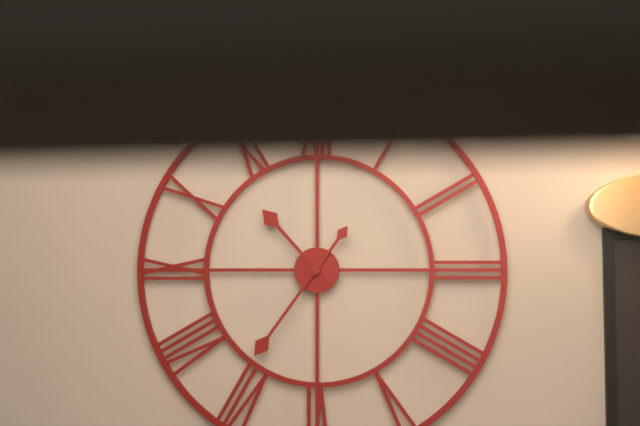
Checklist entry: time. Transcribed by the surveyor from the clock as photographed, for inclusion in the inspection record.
10:36
